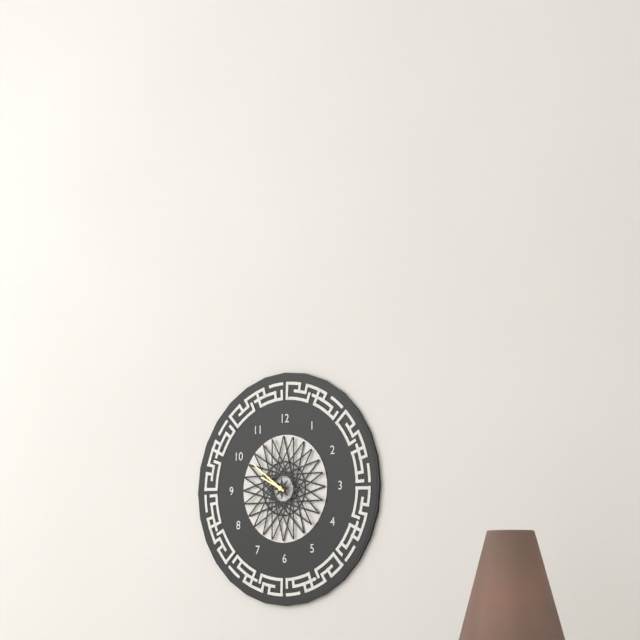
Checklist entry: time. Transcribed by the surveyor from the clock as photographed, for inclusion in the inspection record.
9:51
